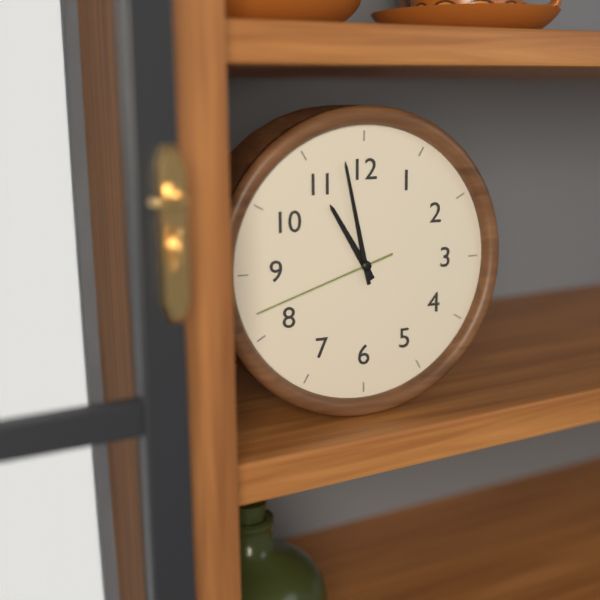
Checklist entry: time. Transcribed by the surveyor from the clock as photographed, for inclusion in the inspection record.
10:58:42
